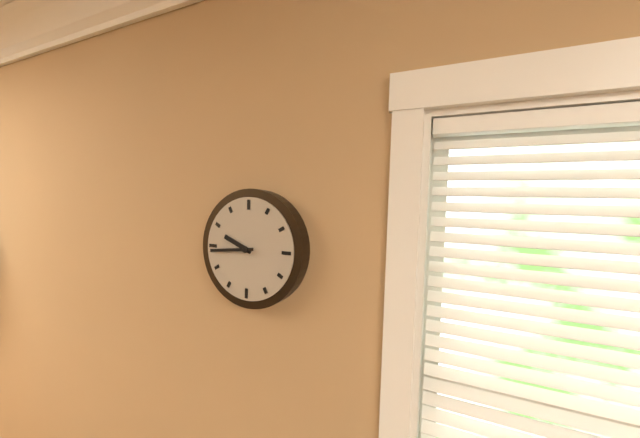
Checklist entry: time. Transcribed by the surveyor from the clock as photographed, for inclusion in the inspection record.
9:44
